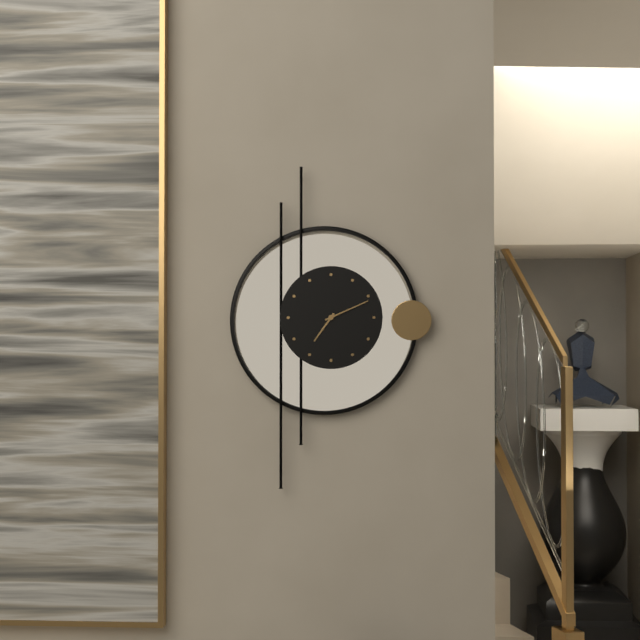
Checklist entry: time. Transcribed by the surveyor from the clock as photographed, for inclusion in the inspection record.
7:11
